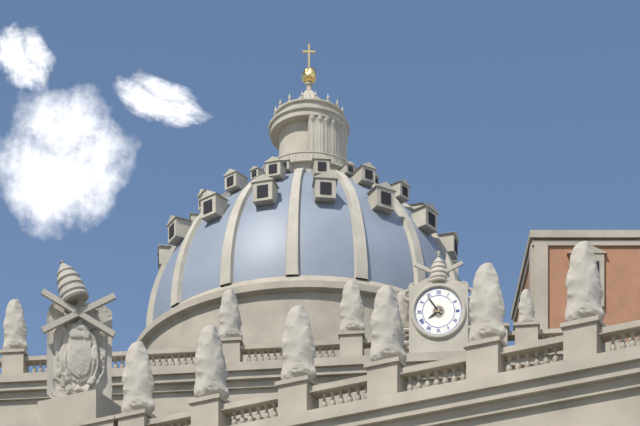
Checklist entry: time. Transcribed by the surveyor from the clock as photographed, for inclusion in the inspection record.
7:54
